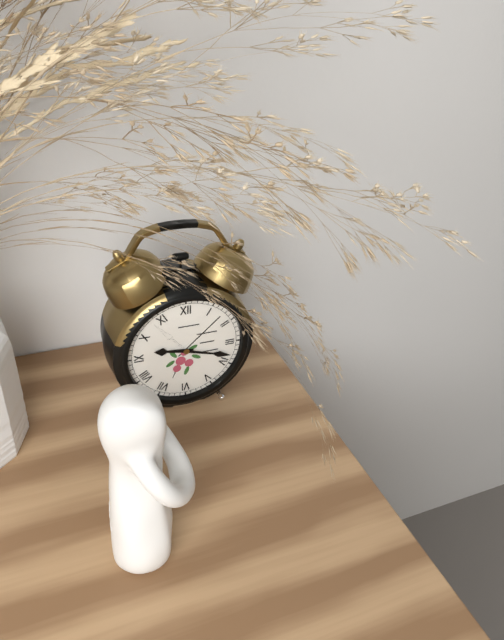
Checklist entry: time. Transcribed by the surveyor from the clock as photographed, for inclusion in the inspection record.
9:18
